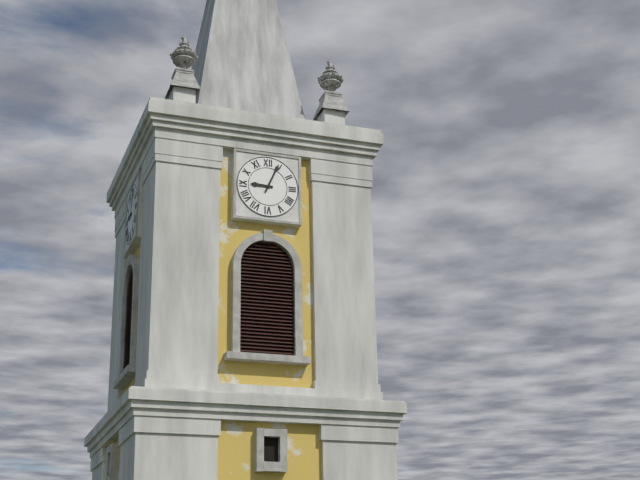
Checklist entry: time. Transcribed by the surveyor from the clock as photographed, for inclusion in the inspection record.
9:04
